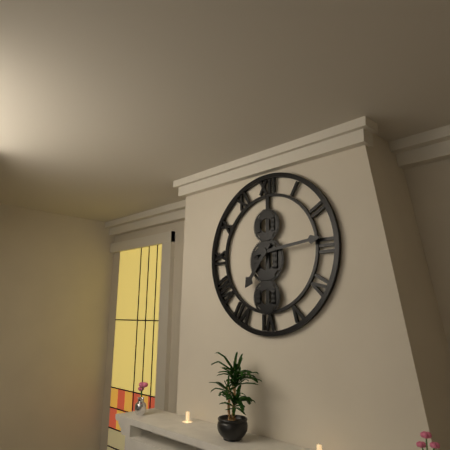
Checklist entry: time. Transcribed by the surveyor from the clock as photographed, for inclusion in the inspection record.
7:14
